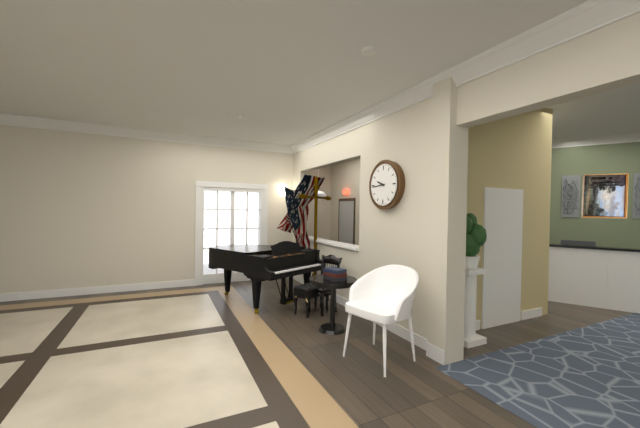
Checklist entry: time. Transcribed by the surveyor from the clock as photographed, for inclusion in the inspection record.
9:44
